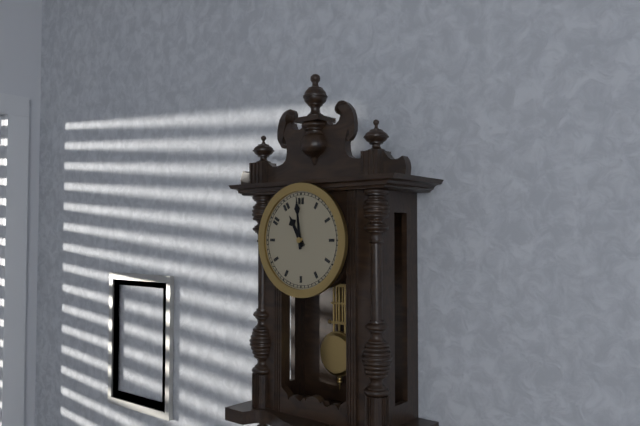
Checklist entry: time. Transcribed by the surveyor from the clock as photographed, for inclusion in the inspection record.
10:59
